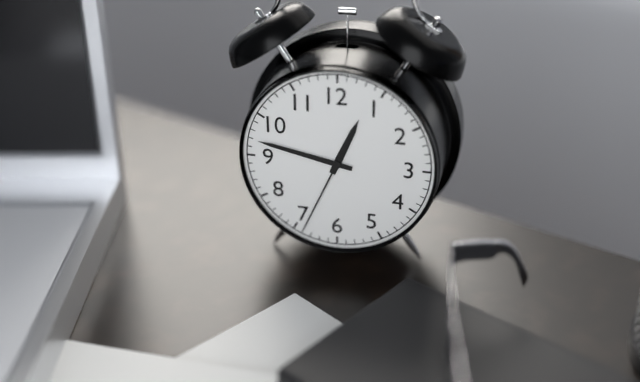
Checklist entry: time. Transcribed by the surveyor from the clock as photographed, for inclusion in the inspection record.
12:47:34
